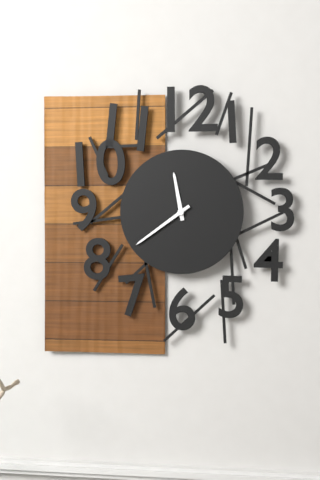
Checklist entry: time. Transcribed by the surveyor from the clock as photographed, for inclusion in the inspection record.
11:39
